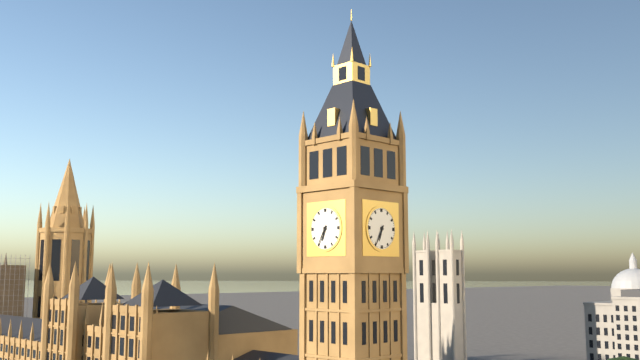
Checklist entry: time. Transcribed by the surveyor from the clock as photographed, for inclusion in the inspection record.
6:35
